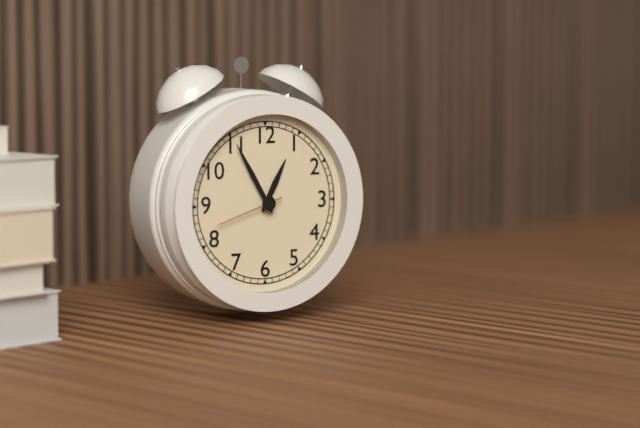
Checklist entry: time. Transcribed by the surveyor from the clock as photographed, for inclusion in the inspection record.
12:55:42
